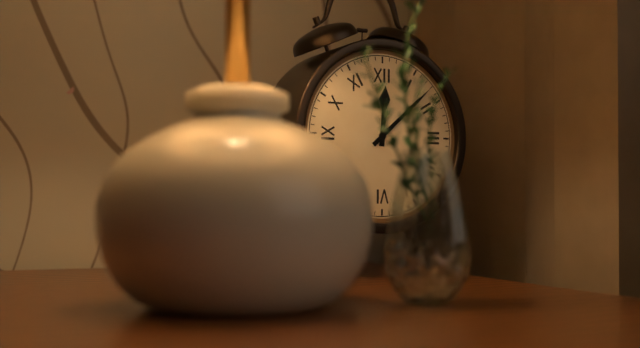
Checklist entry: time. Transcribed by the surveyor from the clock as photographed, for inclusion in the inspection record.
12:08
